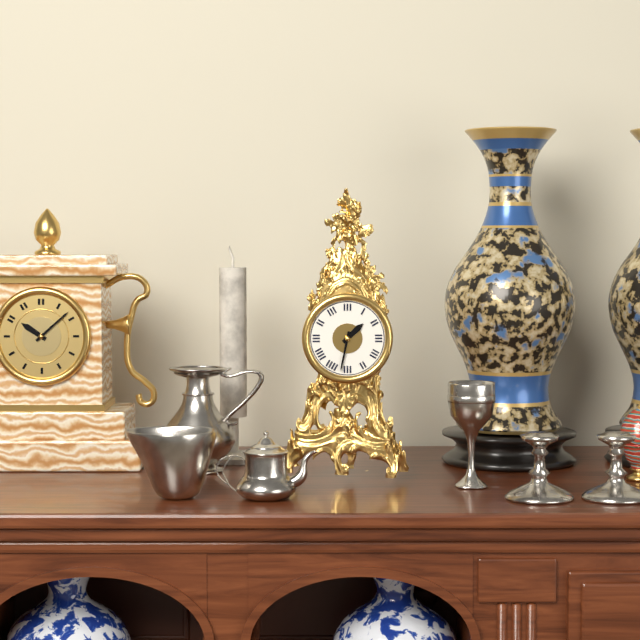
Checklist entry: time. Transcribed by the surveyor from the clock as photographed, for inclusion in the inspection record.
1:32
